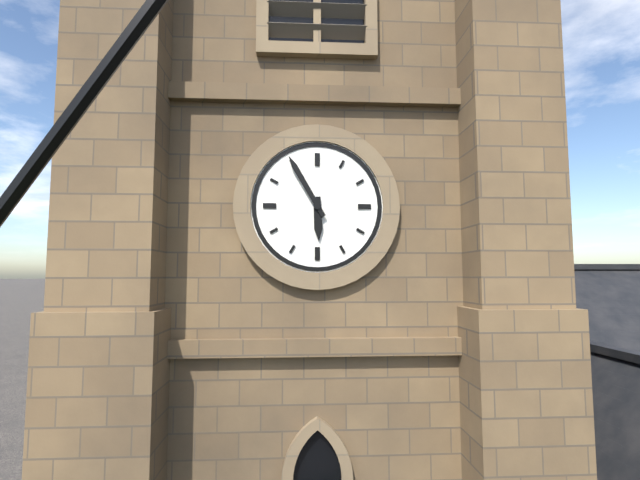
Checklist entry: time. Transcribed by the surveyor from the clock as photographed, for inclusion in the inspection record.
5:55
